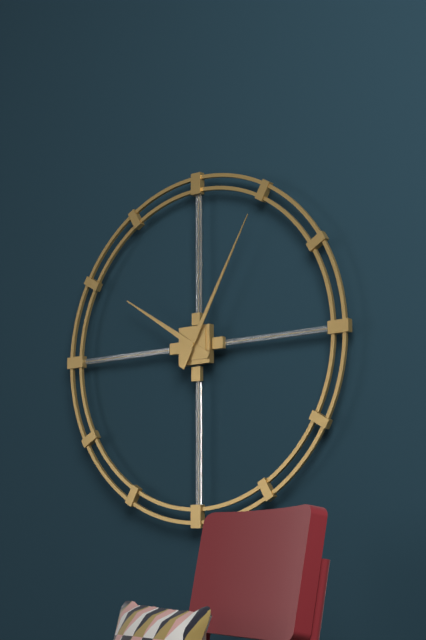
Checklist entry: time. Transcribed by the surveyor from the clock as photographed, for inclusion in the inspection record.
10:05
